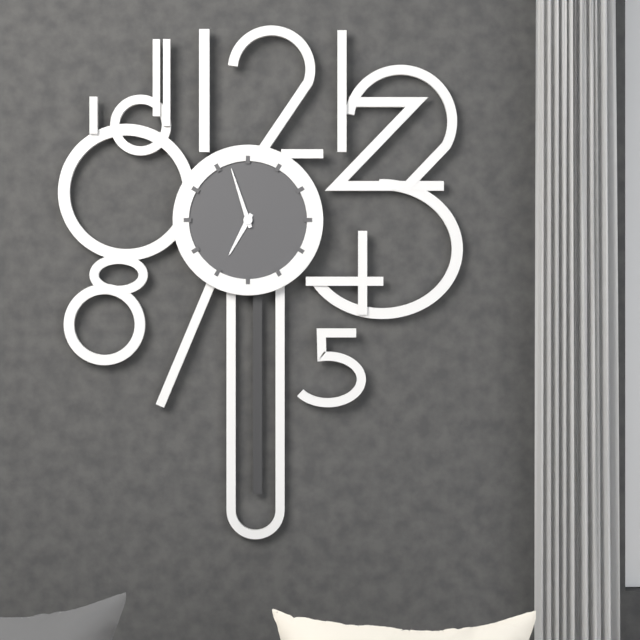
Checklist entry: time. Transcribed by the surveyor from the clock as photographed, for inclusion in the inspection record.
6:57
